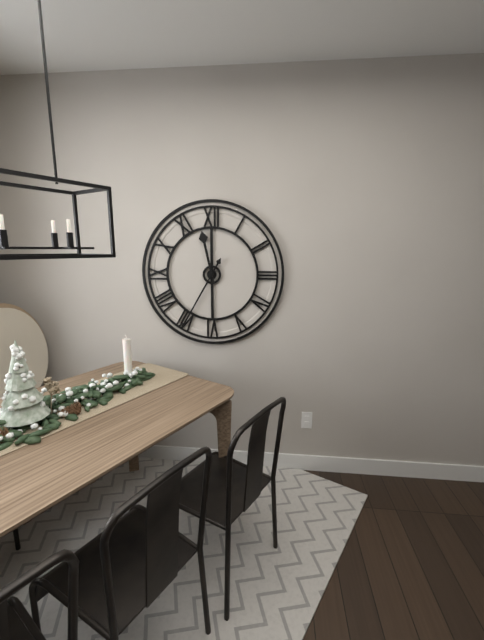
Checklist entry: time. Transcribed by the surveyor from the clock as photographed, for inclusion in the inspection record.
11:35
